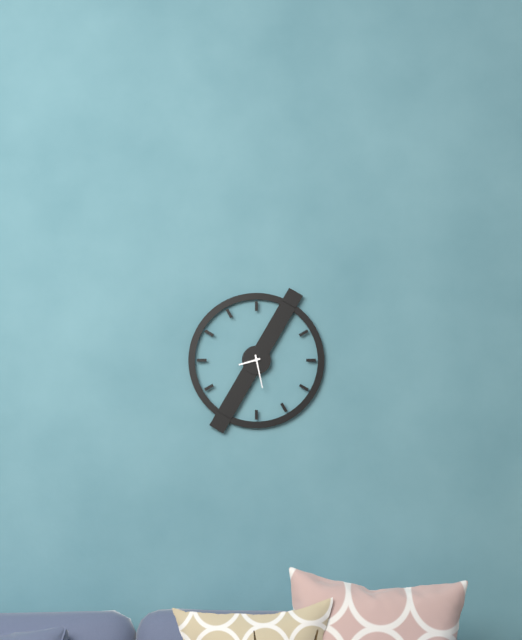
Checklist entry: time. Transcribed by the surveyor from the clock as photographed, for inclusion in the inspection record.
8:28
